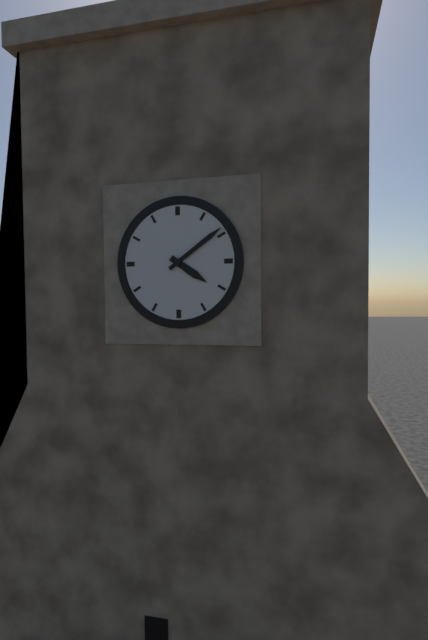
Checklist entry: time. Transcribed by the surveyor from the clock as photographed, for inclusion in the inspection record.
4:09
